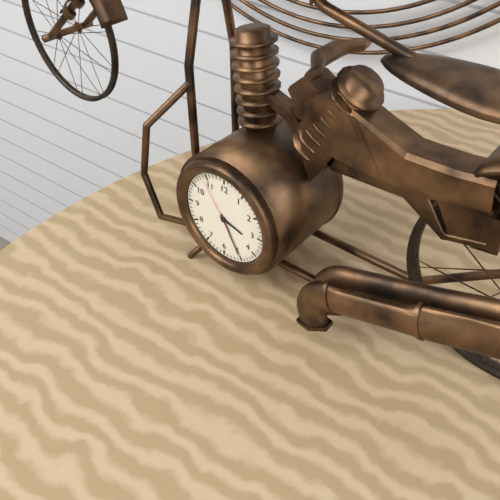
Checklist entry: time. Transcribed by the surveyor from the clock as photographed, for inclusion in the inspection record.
3:25:54
